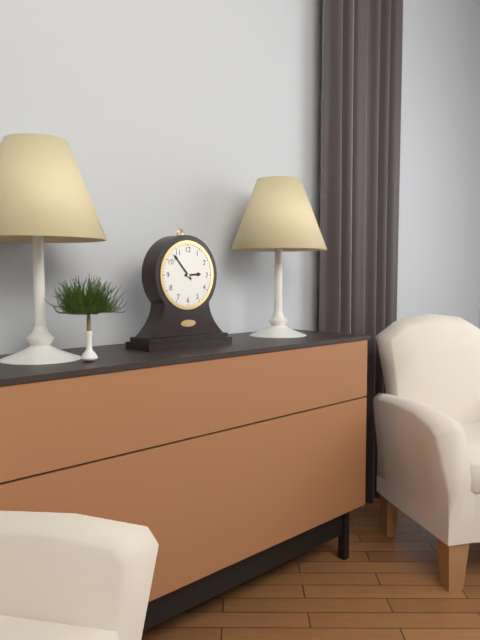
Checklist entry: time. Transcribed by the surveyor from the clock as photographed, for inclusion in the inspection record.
2:53
